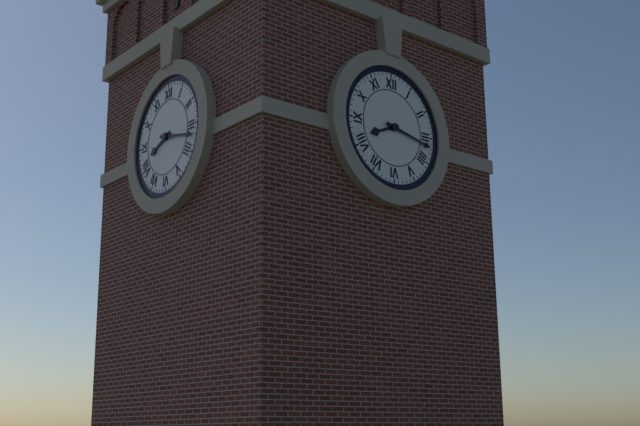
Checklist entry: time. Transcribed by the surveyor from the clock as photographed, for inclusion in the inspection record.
8:17
